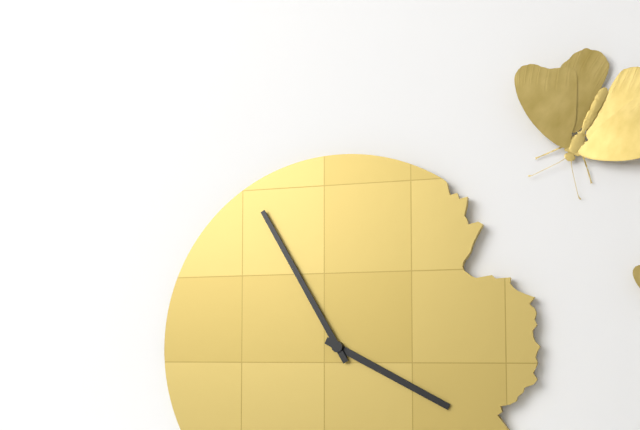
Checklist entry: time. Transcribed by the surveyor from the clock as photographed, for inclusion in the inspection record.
3:55
